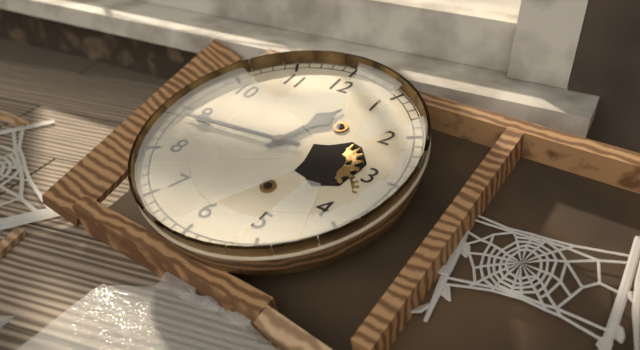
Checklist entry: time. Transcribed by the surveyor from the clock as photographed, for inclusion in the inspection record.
12:44
